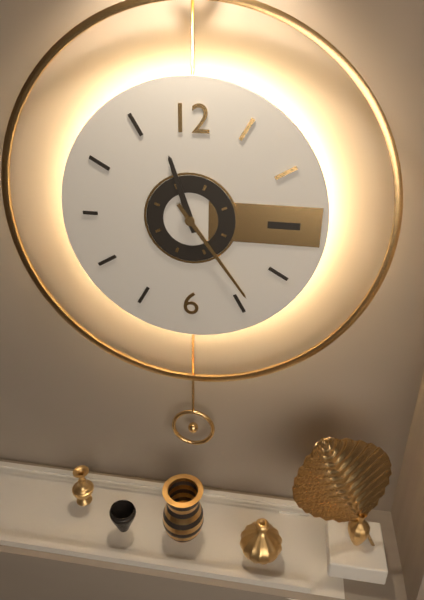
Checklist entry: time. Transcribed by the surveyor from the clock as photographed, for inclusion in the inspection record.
11:24
